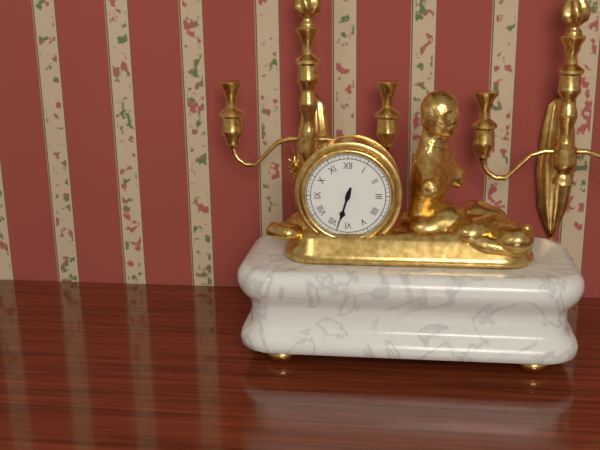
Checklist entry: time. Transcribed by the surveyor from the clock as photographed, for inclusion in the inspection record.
6:33
